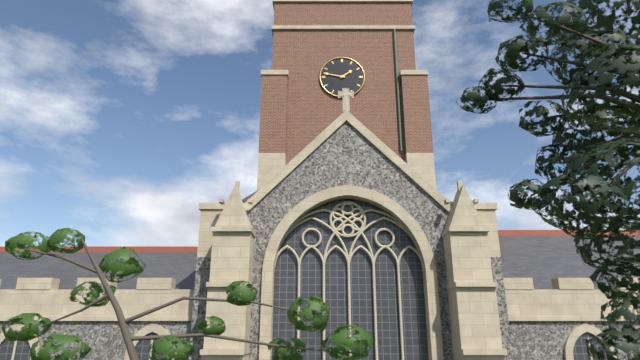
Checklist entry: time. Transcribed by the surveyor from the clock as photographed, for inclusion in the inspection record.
1:47
